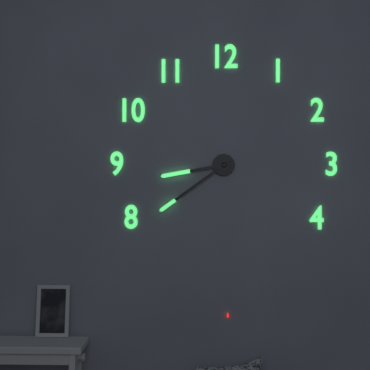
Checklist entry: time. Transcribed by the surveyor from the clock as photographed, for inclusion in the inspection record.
8:39
